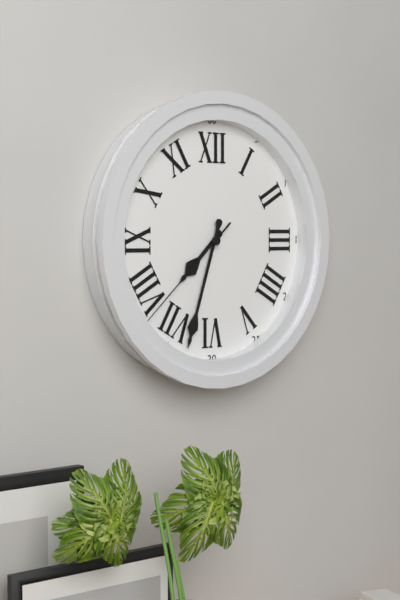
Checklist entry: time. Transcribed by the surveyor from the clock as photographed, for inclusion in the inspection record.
7:33:38
